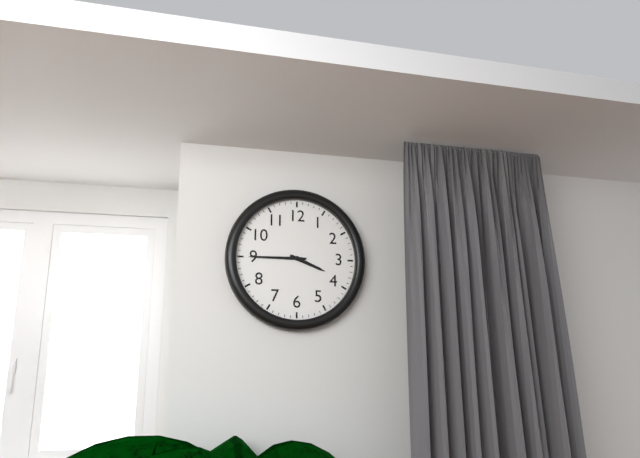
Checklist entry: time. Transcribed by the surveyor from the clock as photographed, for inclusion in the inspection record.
3:45
